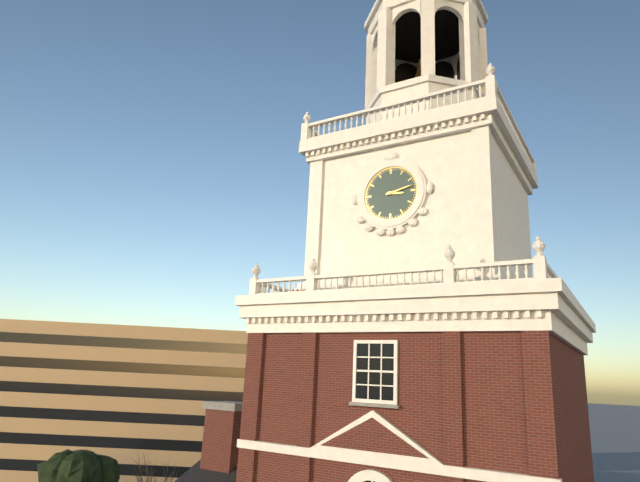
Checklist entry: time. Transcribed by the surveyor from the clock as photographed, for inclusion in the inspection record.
3:13
